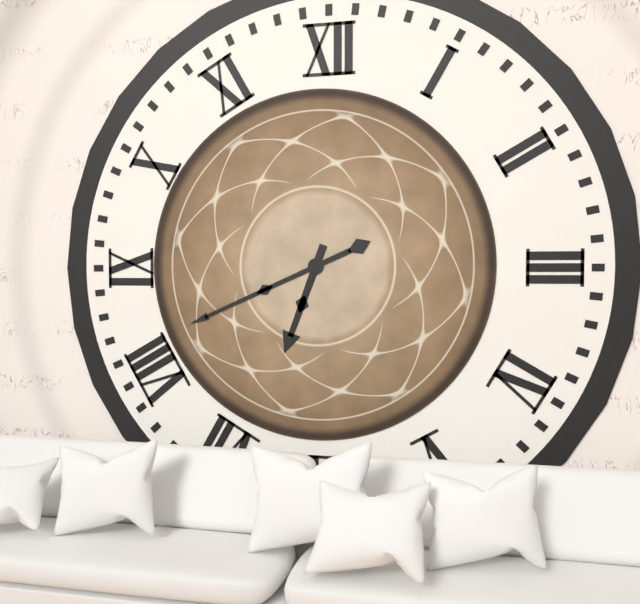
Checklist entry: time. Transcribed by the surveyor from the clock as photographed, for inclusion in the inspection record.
6:41
